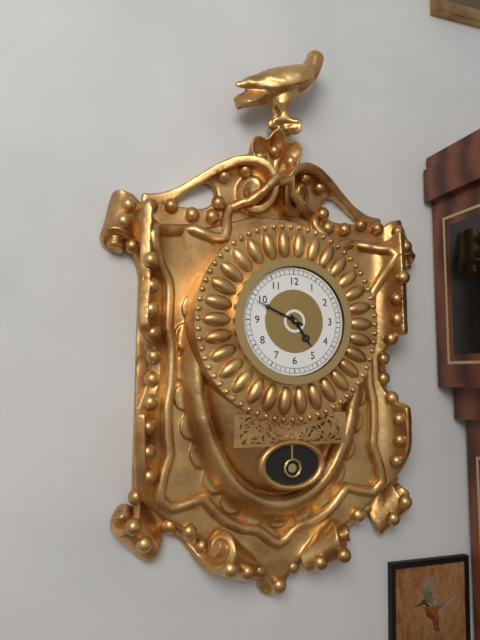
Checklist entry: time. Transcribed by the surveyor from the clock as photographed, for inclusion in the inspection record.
4:49
